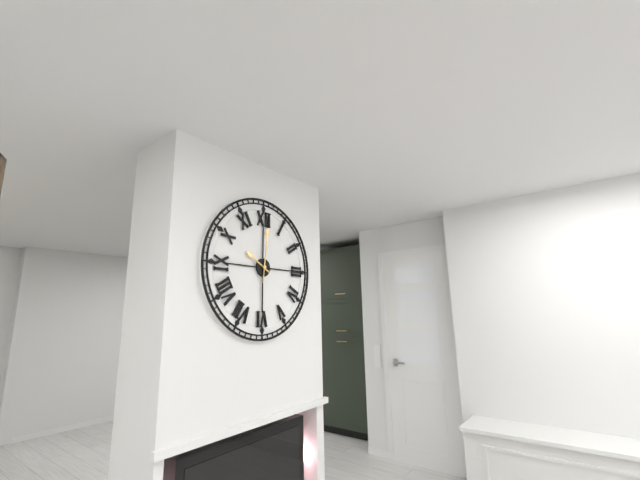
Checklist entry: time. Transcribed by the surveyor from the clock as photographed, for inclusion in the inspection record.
10:01
